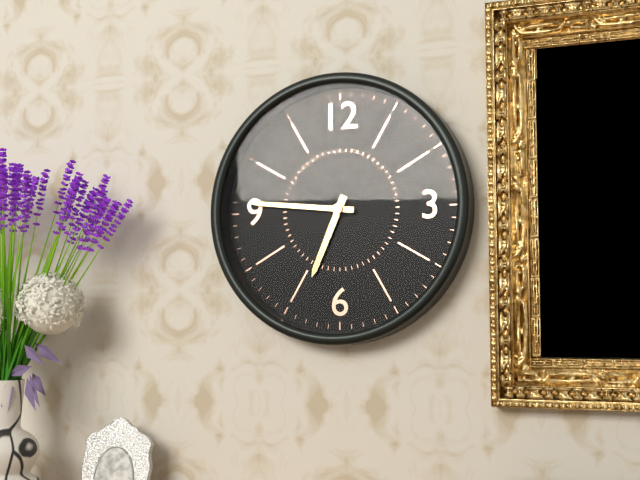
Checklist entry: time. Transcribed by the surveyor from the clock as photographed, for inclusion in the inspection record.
6:46
